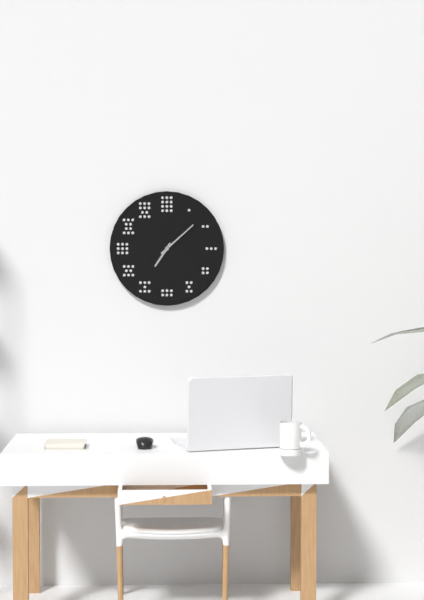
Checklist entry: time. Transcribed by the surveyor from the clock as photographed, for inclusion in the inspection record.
7:08
